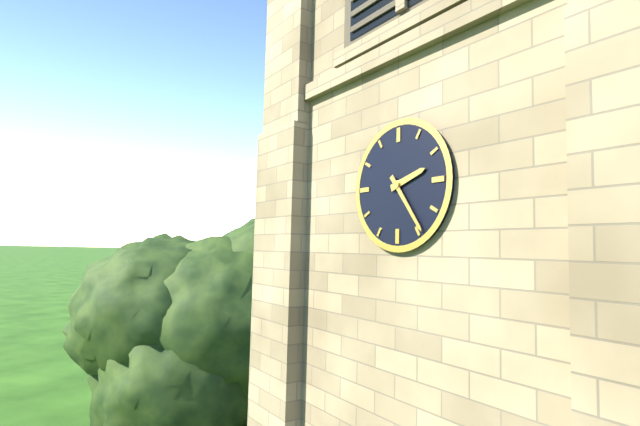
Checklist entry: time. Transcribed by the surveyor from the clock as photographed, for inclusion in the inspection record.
2:24
